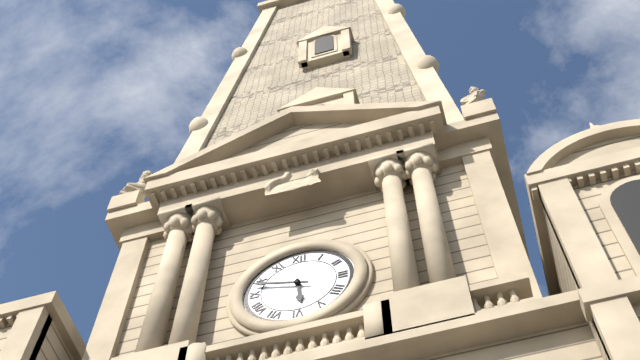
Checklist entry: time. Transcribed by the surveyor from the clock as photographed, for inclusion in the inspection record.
5:48
